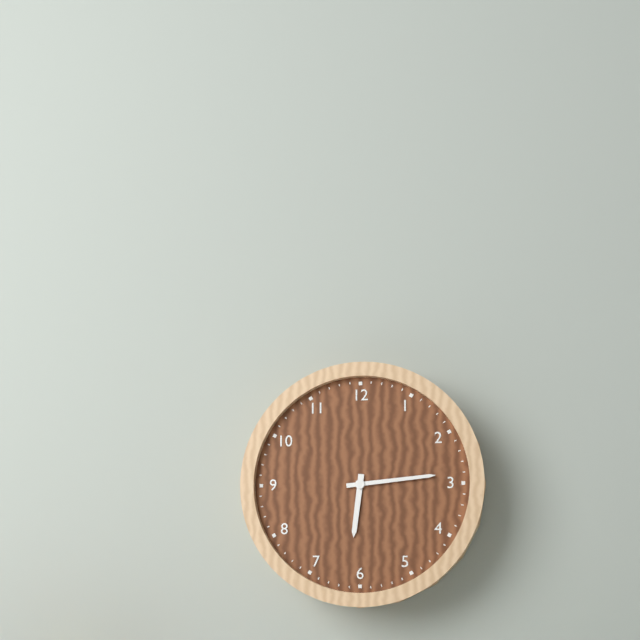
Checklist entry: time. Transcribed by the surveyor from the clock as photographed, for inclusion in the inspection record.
6:14
